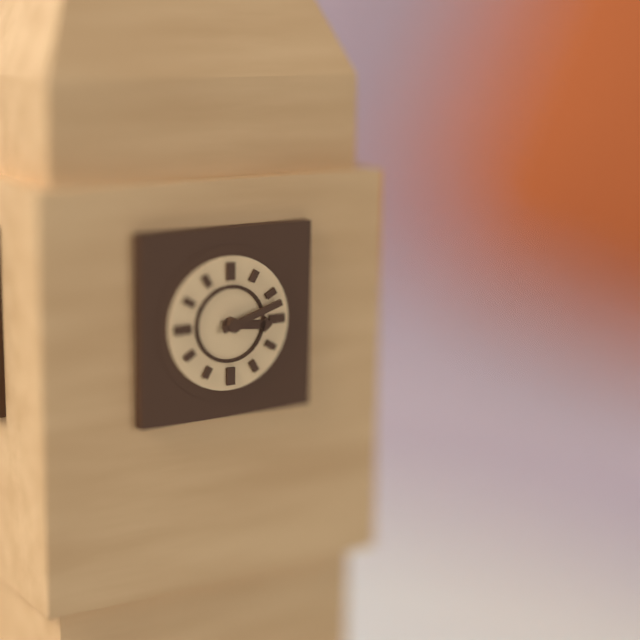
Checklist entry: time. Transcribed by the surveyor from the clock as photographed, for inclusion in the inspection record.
3:12
